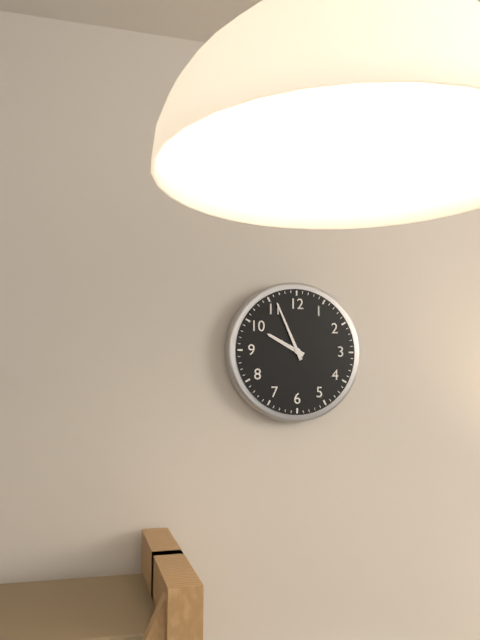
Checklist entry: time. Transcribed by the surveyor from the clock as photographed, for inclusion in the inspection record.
9:56
